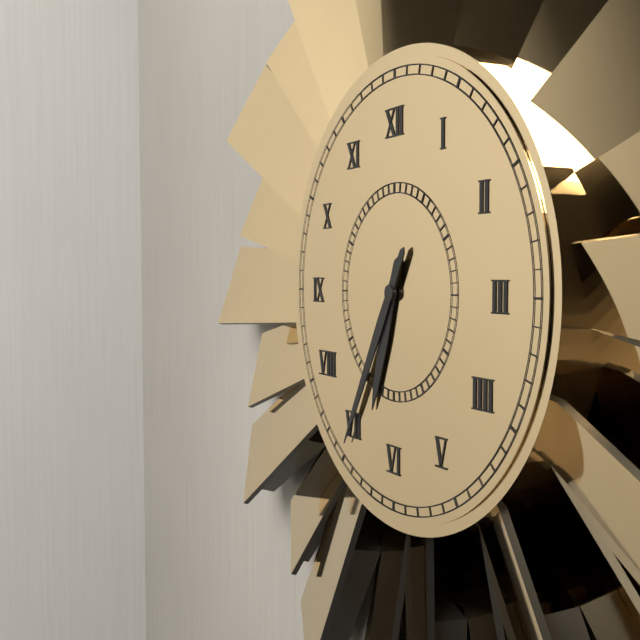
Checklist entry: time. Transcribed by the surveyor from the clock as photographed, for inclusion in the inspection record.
6:35
